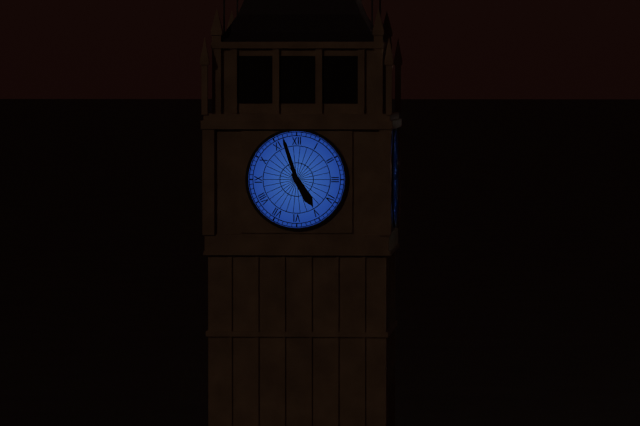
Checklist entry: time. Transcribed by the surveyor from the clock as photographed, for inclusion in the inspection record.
4:57
